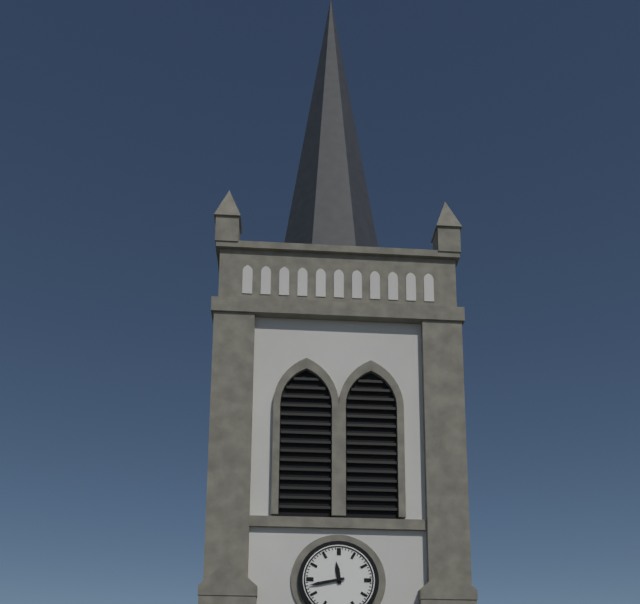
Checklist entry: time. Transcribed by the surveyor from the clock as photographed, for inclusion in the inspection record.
11:43
